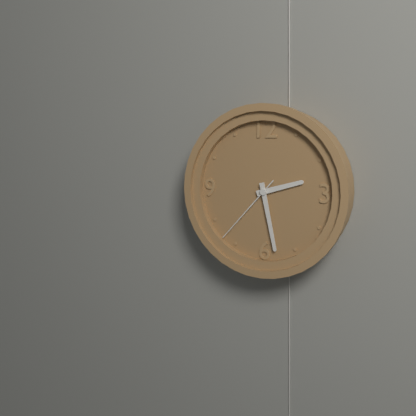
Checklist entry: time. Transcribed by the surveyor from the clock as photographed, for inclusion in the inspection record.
2:28:37
